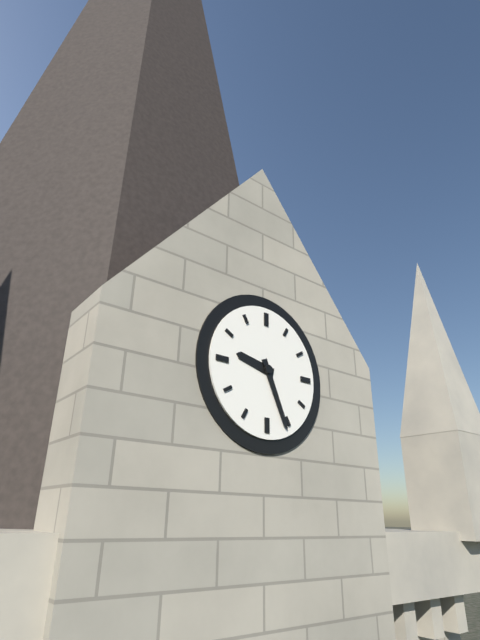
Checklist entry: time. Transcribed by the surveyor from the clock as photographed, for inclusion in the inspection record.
9:26
